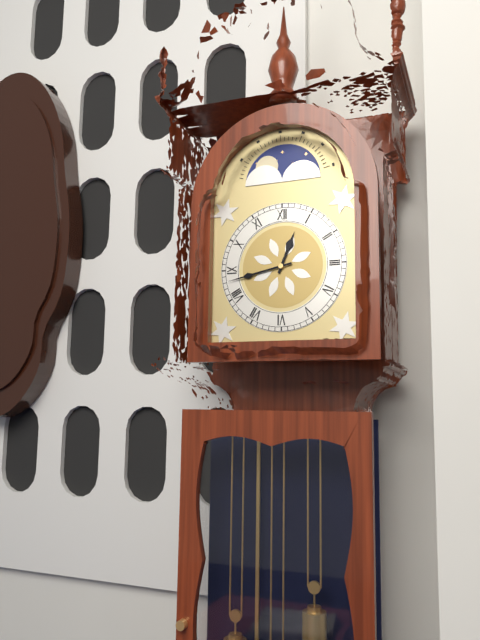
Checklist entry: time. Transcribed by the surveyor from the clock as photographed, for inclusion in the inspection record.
12:43
